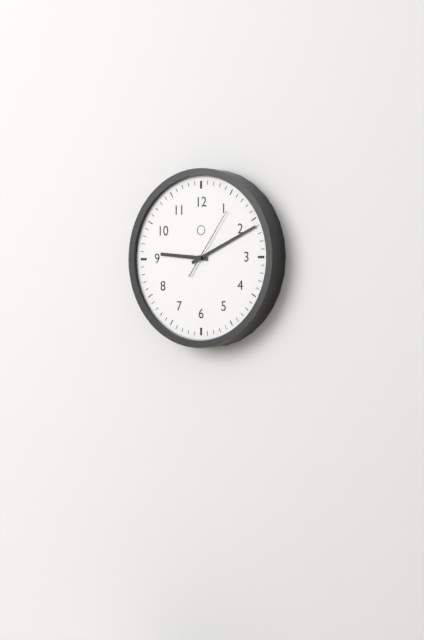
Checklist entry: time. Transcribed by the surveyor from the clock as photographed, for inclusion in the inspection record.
9:11:06
